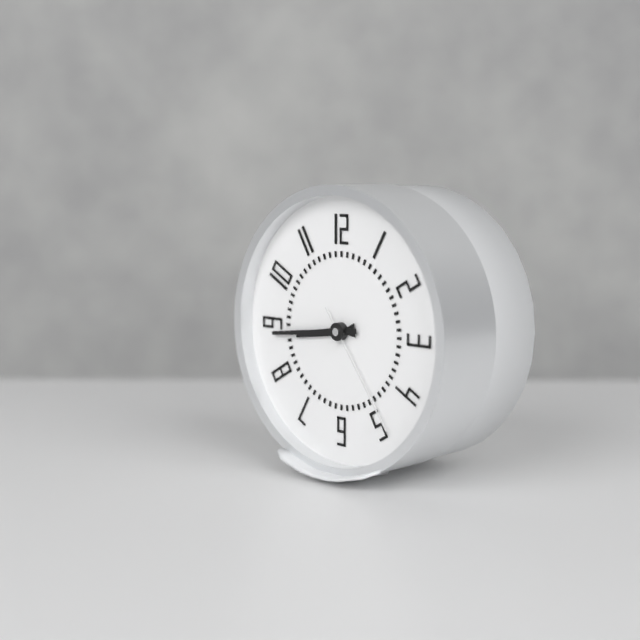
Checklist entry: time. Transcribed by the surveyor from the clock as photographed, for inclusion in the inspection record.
8:44:24
